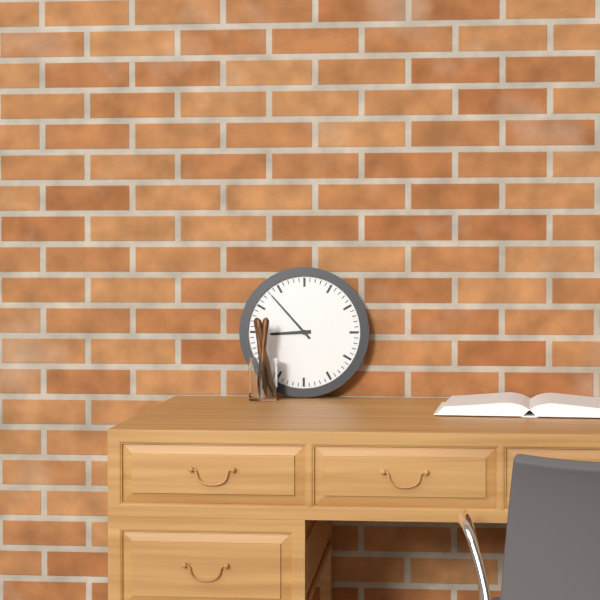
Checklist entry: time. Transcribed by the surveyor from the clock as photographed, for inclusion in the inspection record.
8:53
